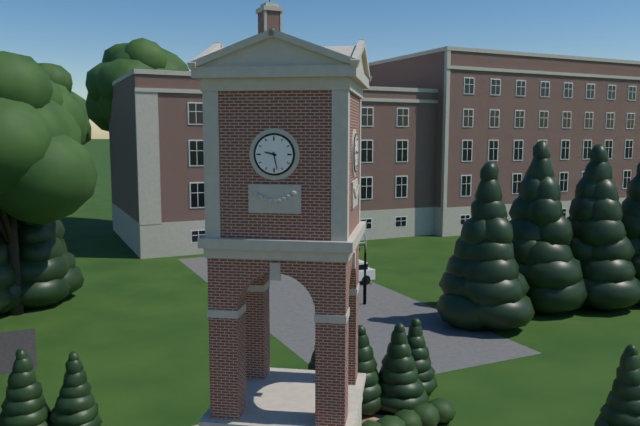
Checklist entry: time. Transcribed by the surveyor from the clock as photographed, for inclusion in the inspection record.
9:28
